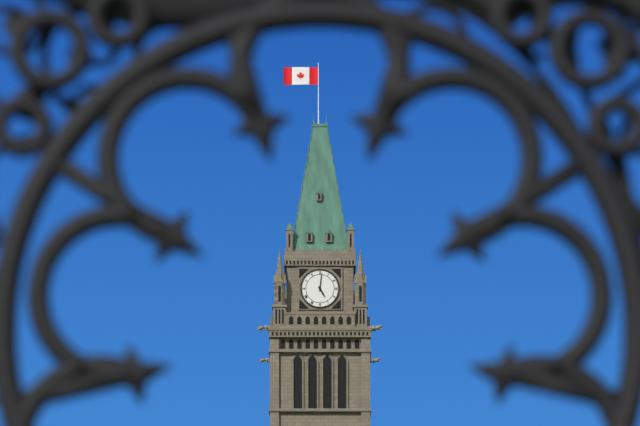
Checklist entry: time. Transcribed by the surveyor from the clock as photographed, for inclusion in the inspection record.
5:01
